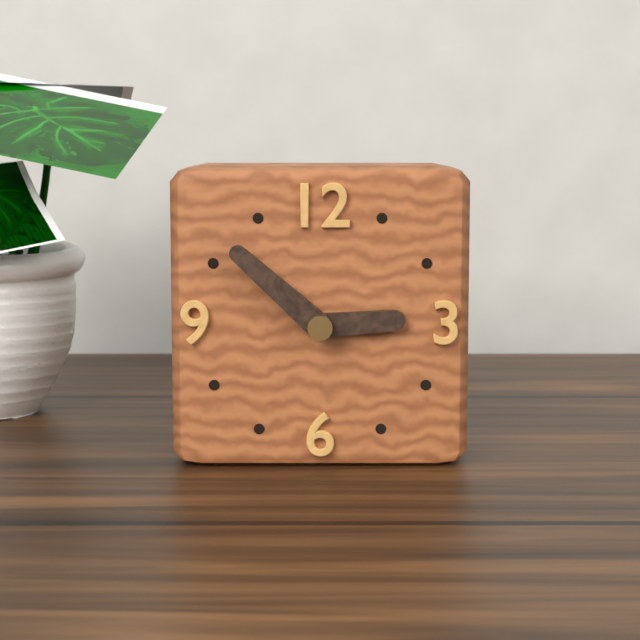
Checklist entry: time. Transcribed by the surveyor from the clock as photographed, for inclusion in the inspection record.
2:52
